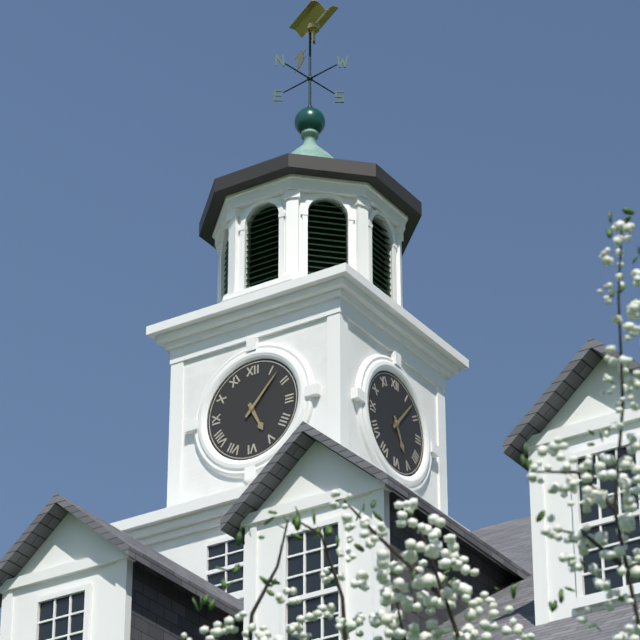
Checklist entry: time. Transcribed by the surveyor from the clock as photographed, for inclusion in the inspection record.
5:07
